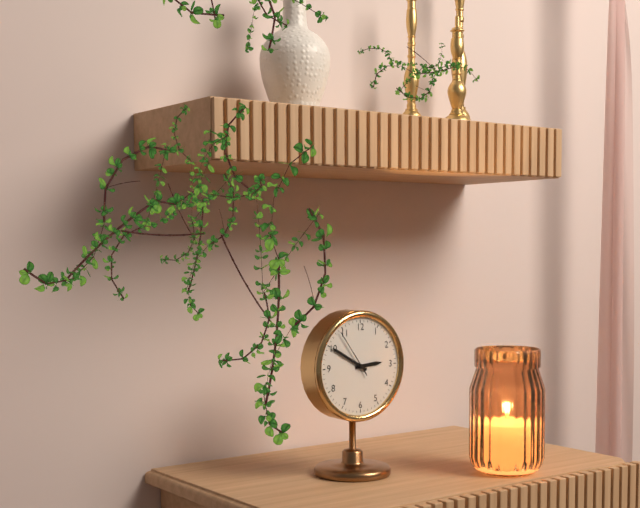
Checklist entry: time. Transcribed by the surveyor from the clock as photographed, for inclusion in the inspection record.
2:50:54
